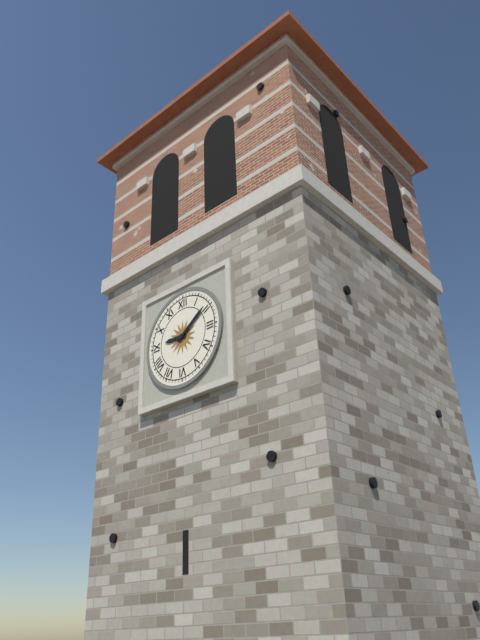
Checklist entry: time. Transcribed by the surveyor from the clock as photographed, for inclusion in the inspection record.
9:09
